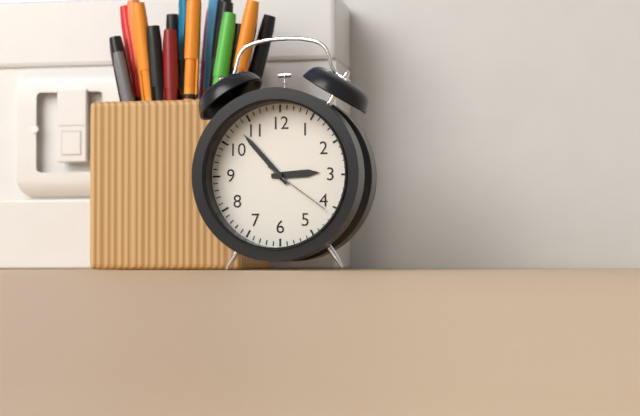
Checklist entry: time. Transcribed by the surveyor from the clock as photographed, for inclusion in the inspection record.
2:53:21
